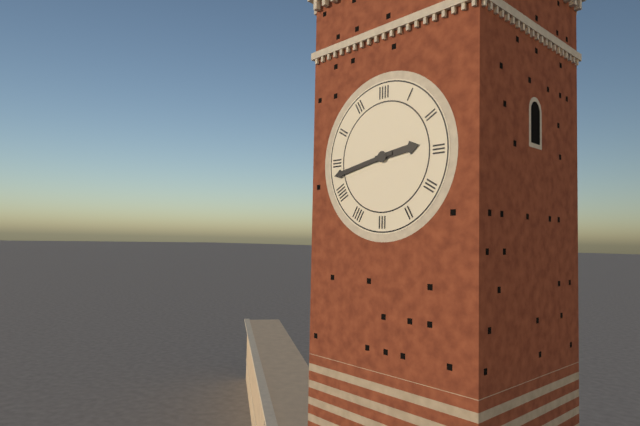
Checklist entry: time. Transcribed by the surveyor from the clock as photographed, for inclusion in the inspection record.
2:43
